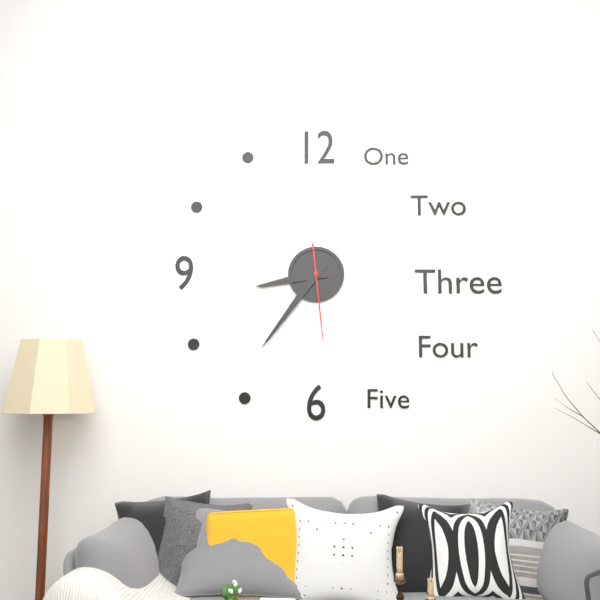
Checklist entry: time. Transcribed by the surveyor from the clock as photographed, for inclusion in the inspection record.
8:36:29
